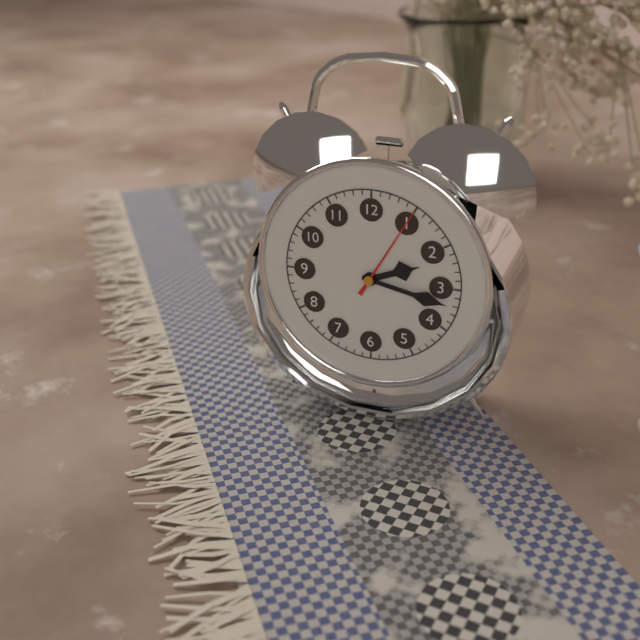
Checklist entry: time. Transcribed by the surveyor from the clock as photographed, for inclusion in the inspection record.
2:17:05
